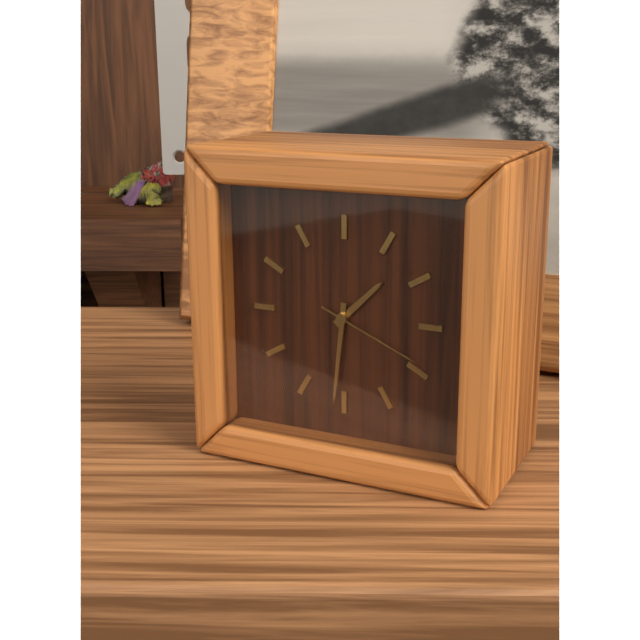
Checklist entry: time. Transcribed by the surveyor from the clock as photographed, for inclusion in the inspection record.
1:31:19
